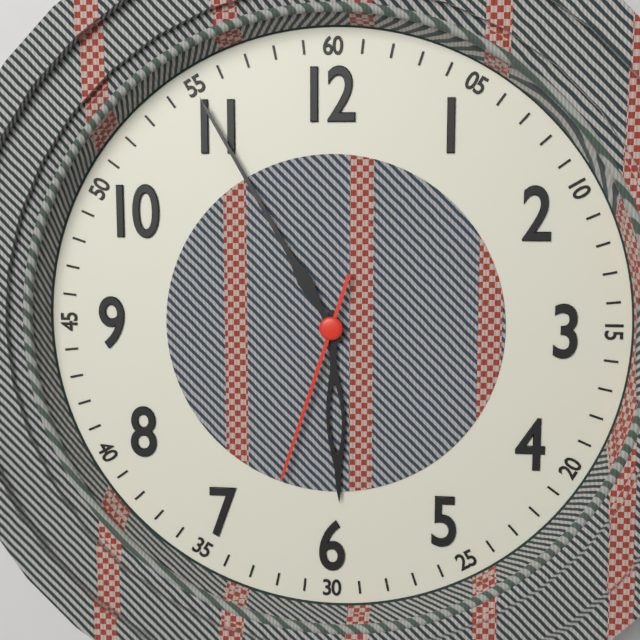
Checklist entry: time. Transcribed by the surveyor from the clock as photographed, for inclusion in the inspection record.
5:55:33
